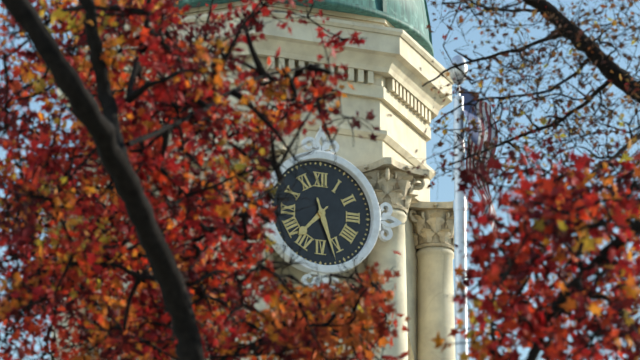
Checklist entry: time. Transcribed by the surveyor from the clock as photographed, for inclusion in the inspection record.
7:27
